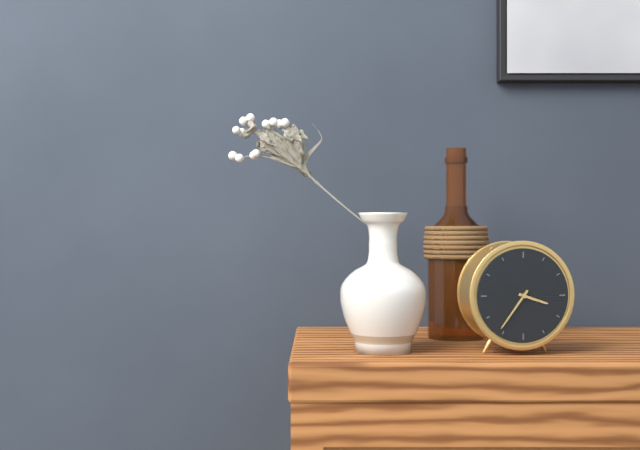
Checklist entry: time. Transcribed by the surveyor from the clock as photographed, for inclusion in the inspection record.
3:36
